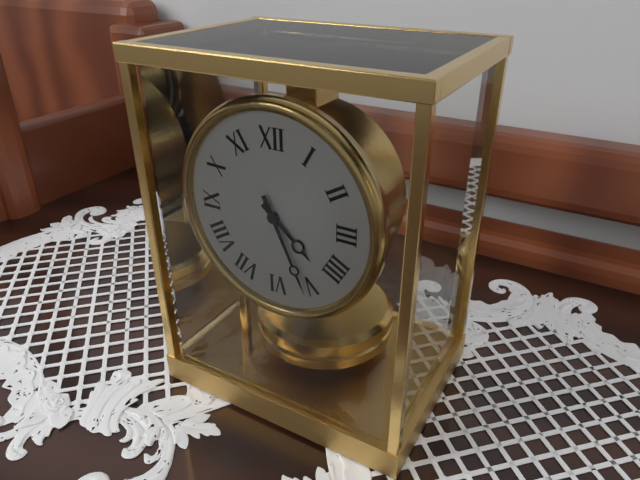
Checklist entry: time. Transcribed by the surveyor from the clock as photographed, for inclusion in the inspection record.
4:26
